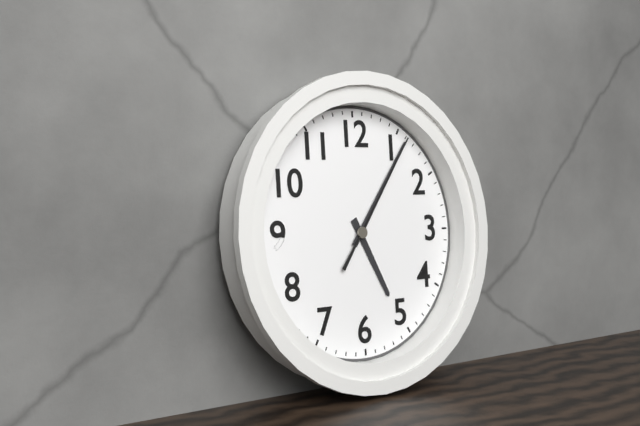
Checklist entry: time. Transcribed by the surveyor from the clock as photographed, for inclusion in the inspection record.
5:06:06
